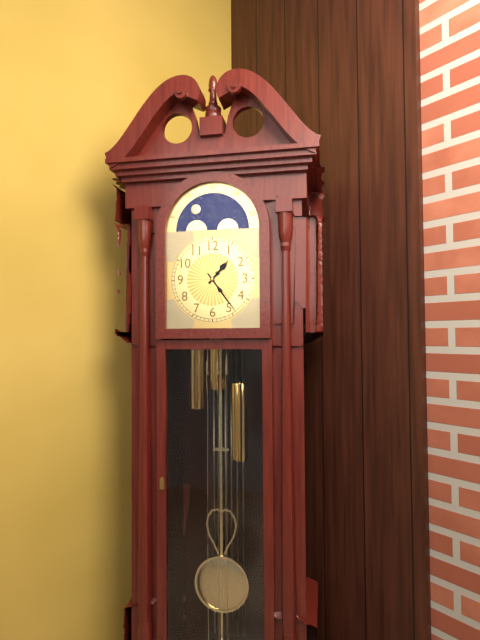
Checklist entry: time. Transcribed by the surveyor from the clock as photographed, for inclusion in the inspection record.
1:24
